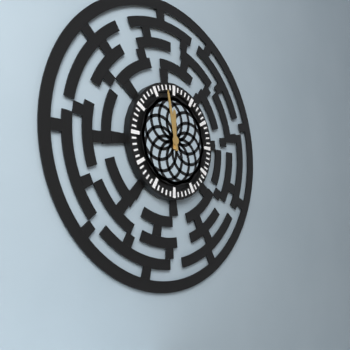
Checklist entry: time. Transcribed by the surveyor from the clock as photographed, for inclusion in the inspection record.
11:58
